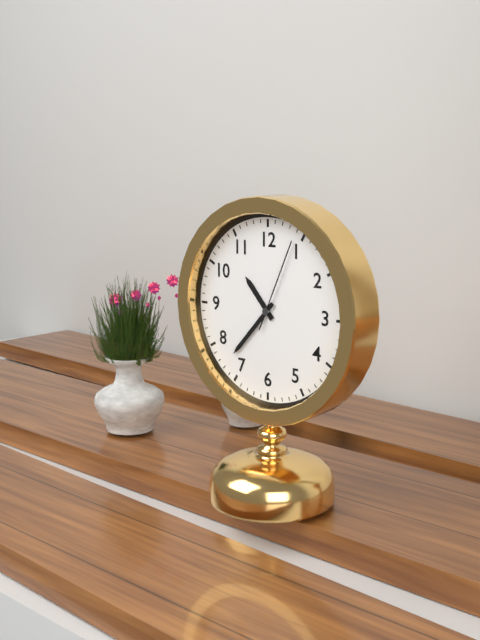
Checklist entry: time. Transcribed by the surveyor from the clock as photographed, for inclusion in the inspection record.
10:37:04
